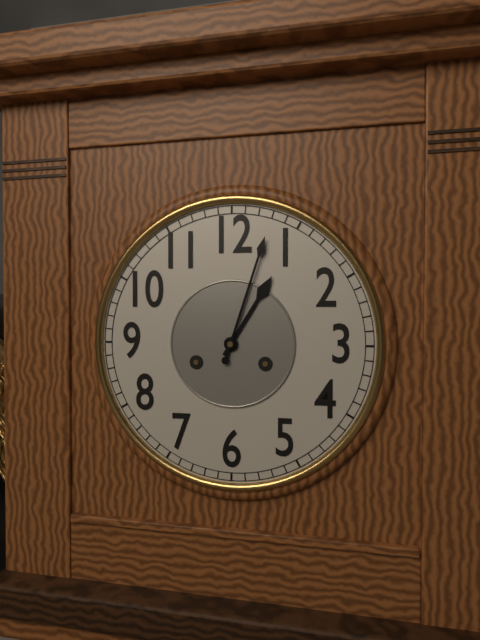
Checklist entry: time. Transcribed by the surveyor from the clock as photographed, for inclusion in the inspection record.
1:03
